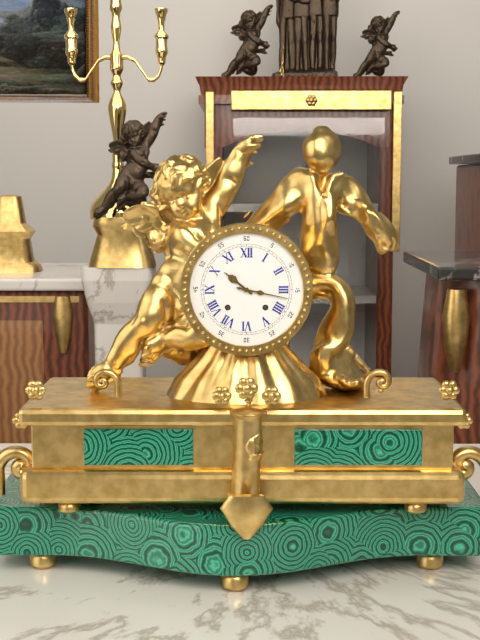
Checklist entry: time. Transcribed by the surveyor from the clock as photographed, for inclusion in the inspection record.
10:17
